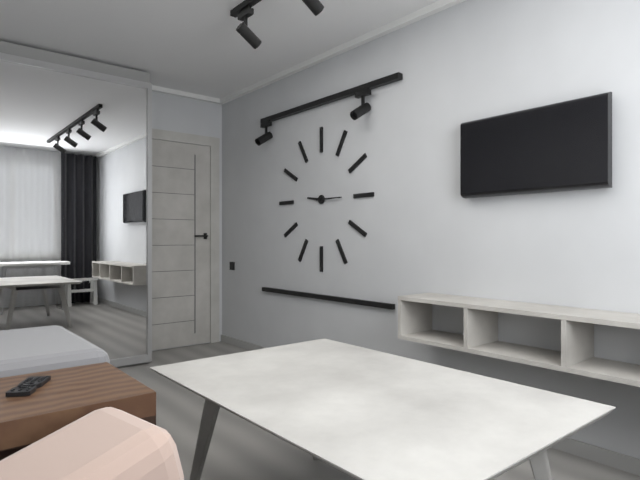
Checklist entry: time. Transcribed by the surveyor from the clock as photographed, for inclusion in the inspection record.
9:15
